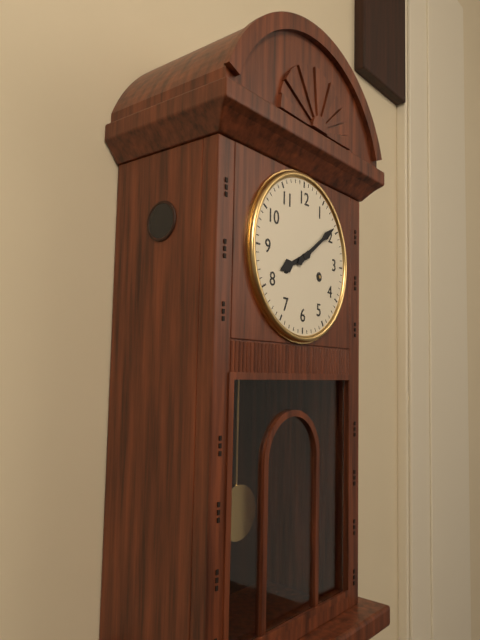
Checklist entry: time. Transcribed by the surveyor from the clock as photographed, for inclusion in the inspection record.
8:09
